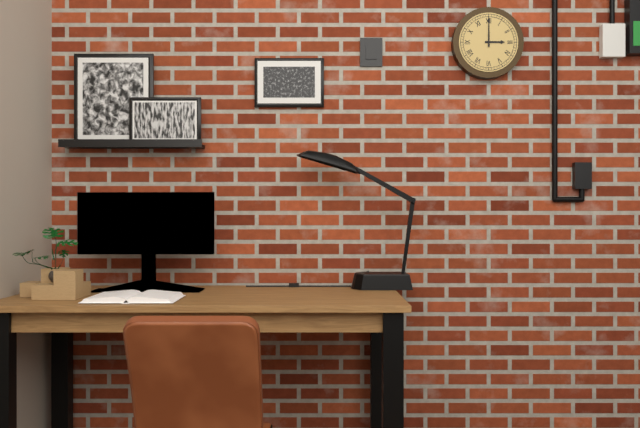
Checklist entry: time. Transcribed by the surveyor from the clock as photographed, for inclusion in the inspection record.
3:00
